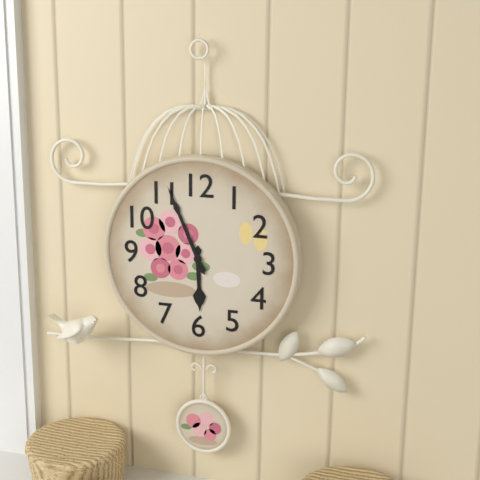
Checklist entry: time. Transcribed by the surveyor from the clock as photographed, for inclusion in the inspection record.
5:56
